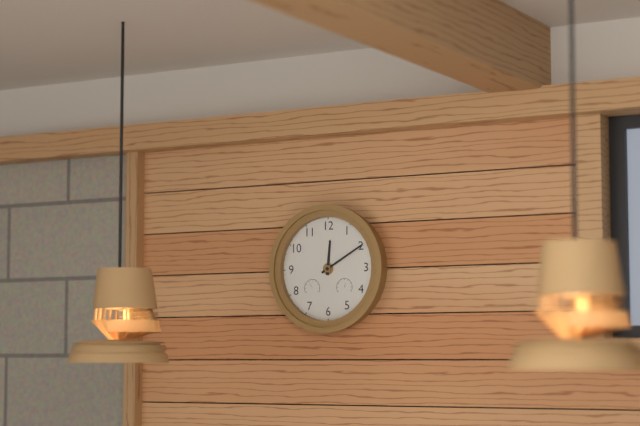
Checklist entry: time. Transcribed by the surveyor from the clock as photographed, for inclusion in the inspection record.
12:10
